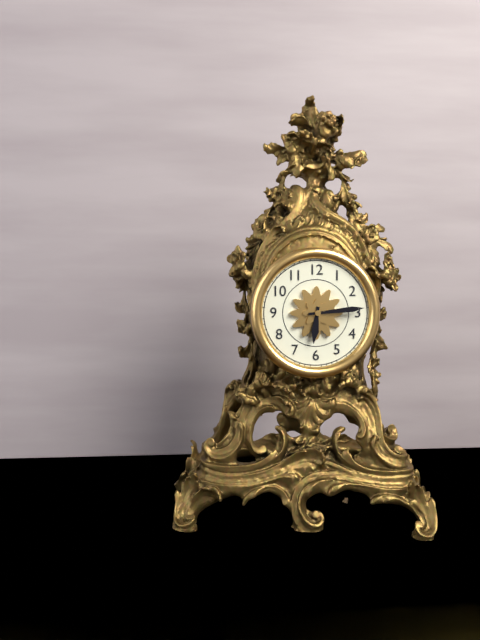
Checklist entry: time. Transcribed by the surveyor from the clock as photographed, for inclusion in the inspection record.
6:14
